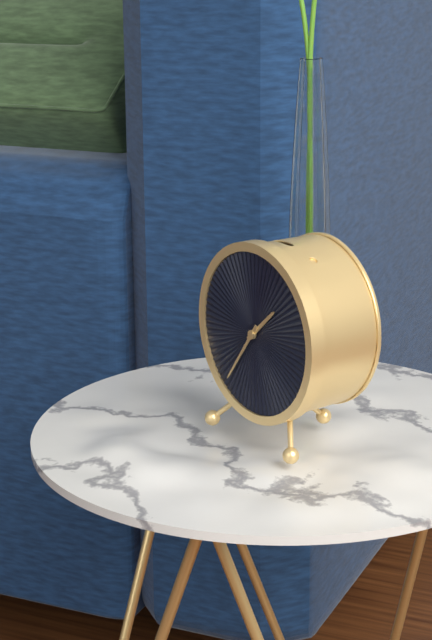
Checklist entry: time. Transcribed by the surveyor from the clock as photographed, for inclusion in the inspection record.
1:36
